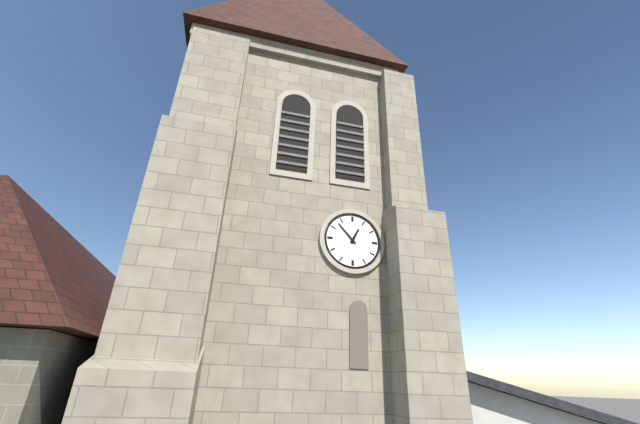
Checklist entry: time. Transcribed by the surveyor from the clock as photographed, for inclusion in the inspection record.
12:53
